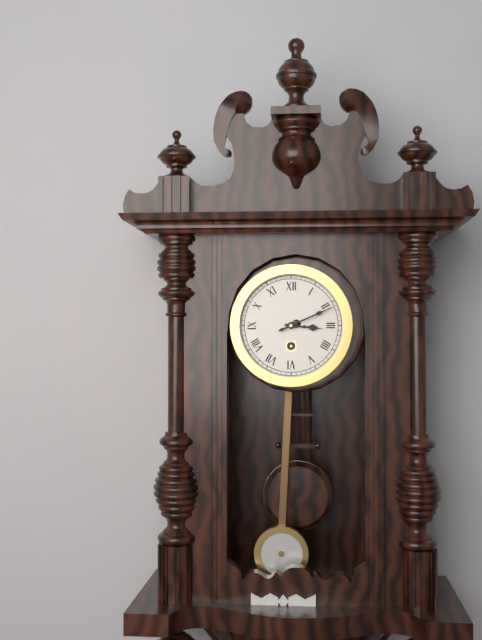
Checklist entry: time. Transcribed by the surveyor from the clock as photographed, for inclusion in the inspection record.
3:11
